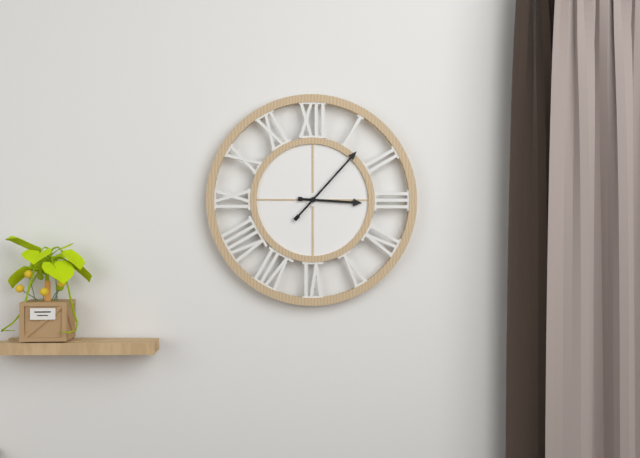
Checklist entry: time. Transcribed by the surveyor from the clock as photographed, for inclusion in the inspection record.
3:07
